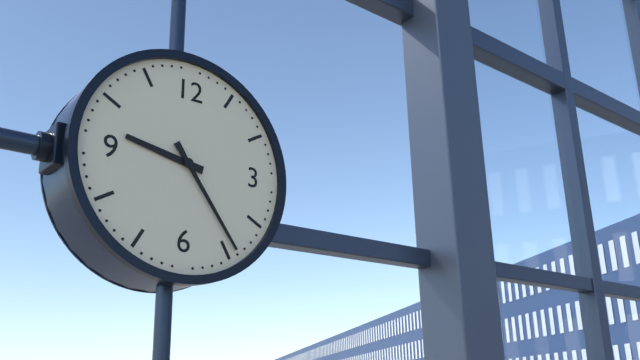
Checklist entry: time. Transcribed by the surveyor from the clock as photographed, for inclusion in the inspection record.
9:24
